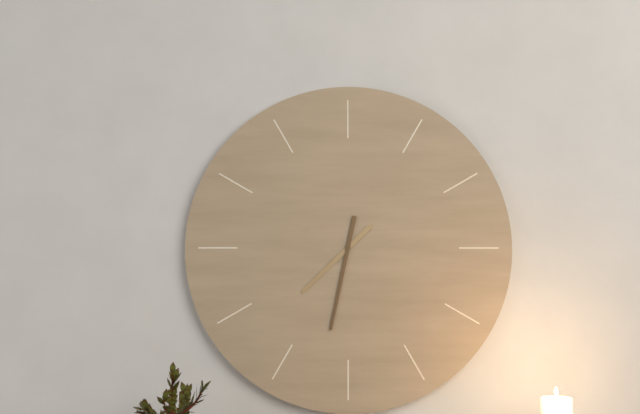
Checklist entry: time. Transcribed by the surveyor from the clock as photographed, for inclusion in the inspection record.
7:32
